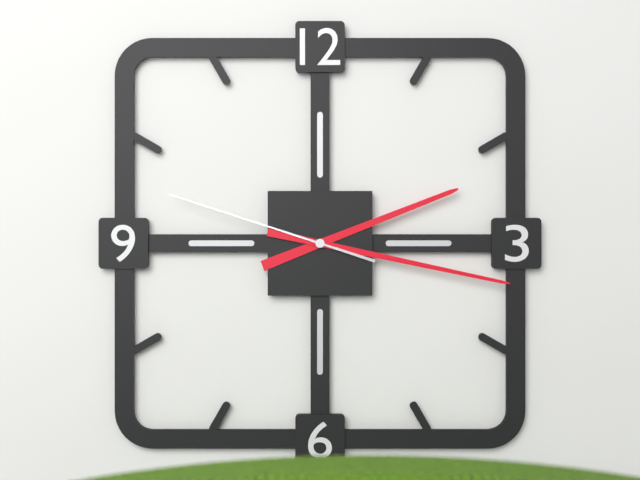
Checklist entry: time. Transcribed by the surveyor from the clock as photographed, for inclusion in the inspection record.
2:17:48
